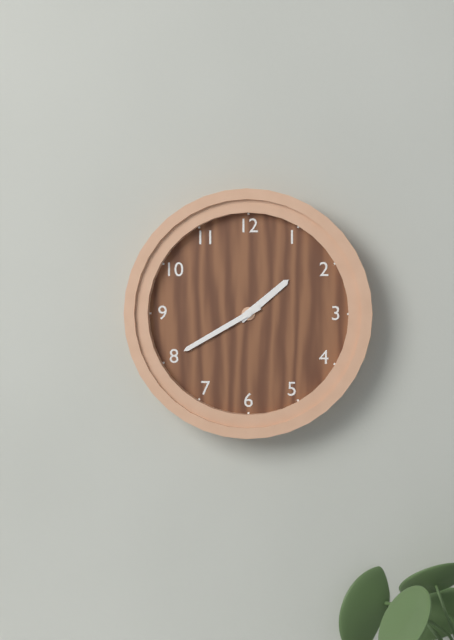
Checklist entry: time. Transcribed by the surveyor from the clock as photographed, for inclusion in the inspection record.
1:40
